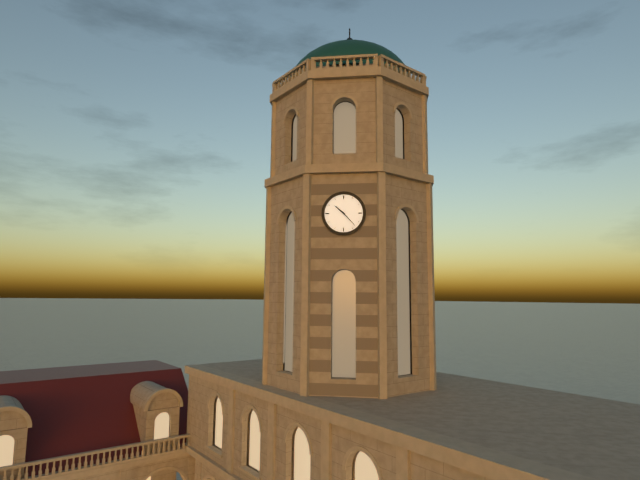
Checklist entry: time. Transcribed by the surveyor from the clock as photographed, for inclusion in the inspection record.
10:23
